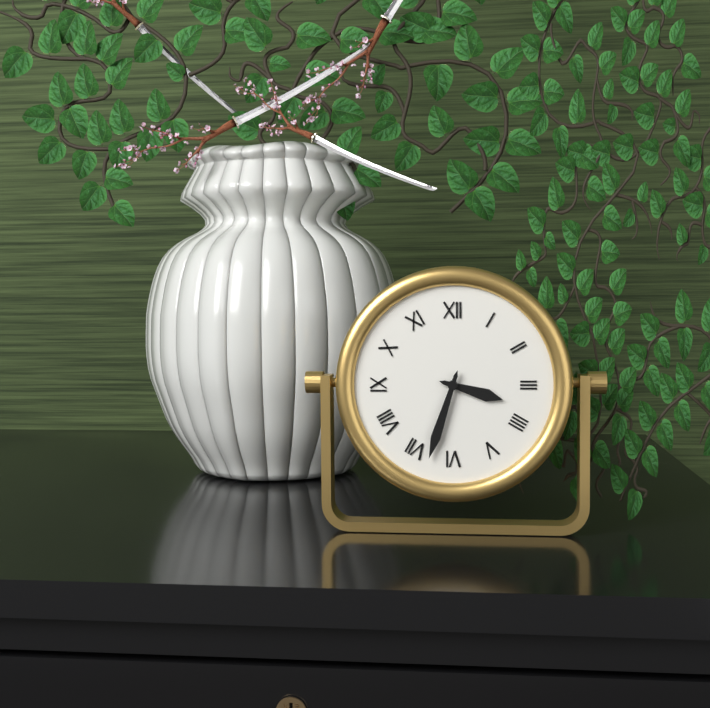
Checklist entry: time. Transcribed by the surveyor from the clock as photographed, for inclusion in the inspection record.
3:33
